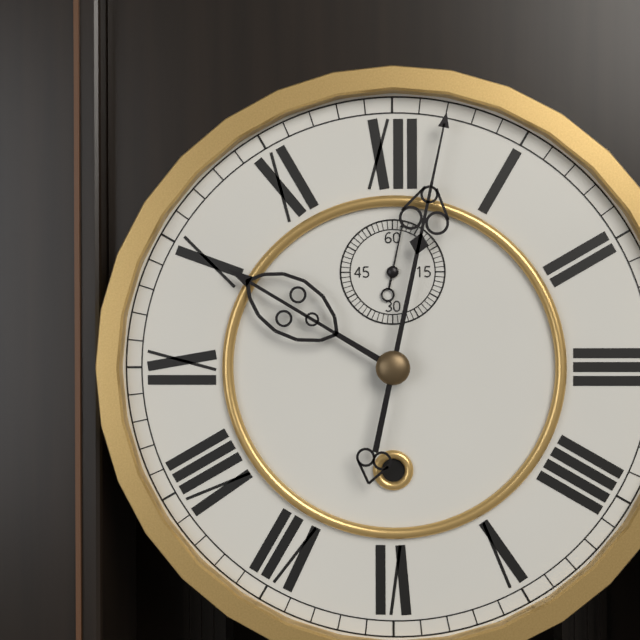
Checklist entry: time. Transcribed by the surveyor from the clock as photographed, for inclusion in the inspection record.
10:02:02
